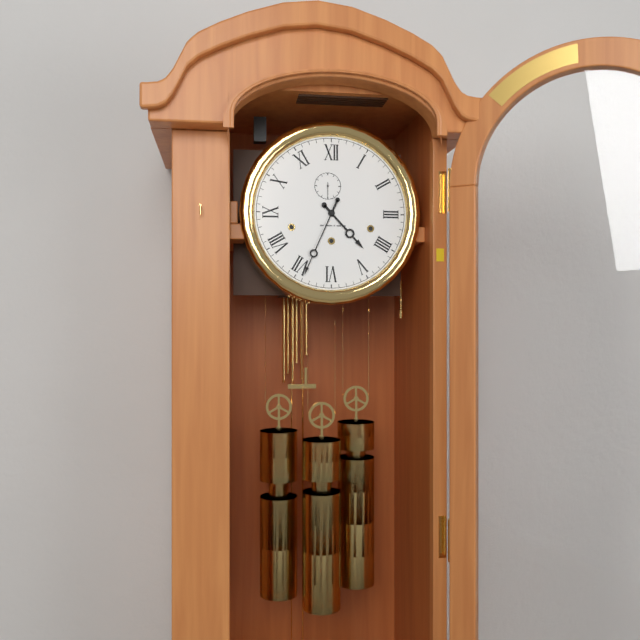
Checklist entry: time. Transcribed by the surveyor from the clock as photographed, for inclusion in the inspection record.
4:34
